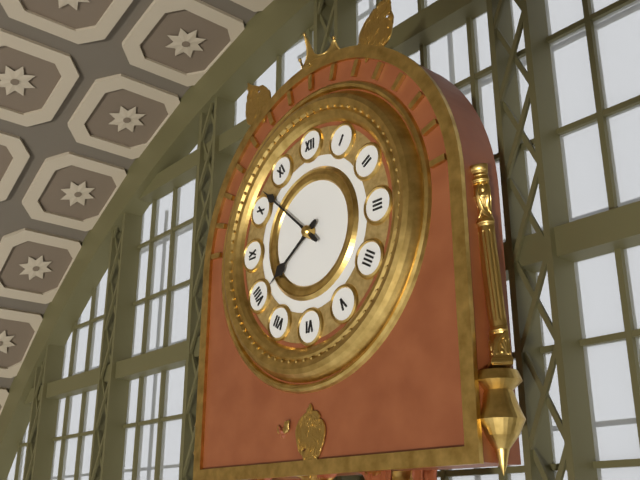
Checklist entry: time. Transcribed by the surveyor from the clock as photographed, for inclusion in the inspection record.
7:52
